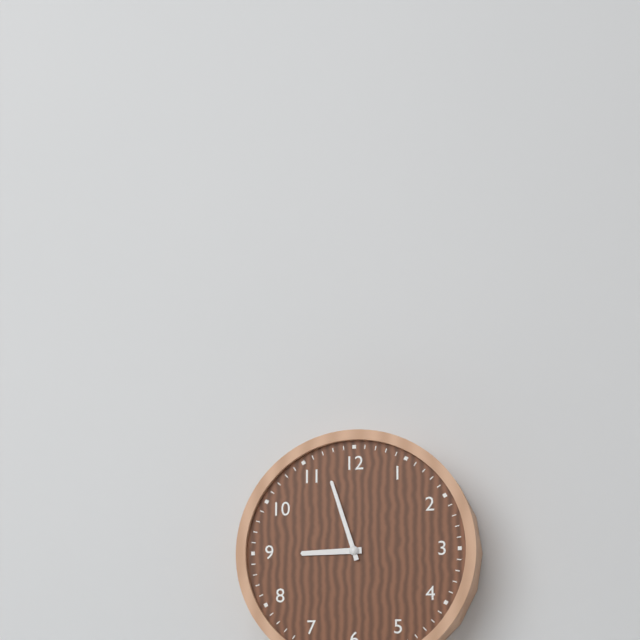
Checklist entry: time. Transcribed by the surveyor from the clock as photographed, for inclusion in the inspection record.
8:57
